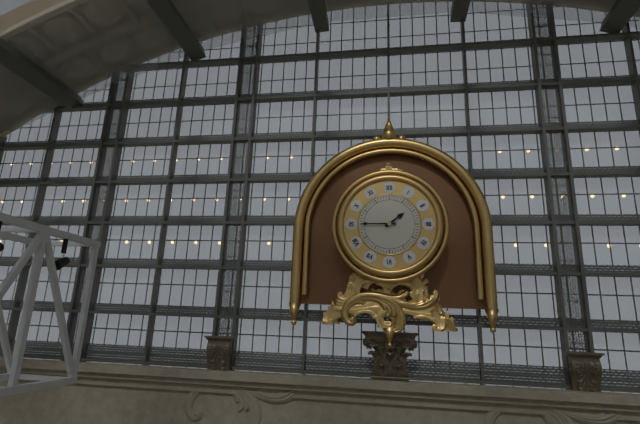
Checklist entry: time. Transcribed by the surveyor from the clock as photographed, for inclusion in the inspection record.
1:45
